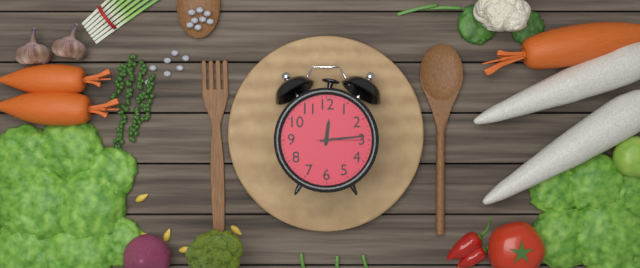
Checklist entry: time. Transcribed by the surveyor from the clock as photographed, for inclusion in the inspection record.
12:14
